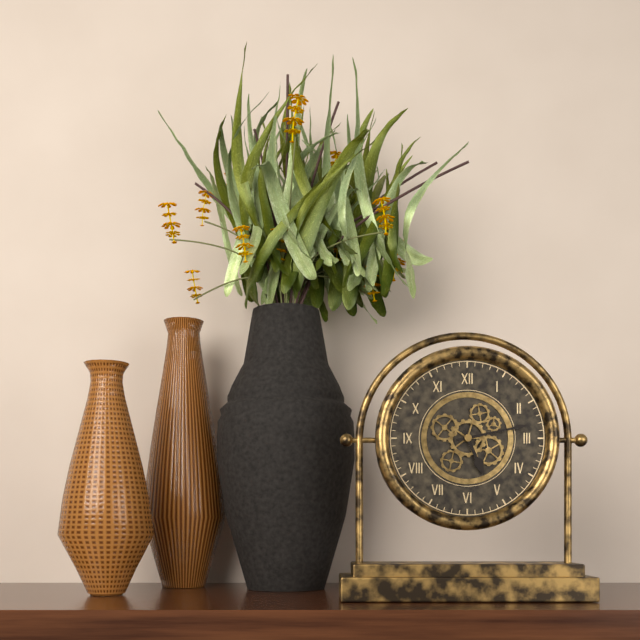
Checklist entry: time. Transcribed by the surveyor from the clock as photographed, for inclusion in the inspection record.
5:13
